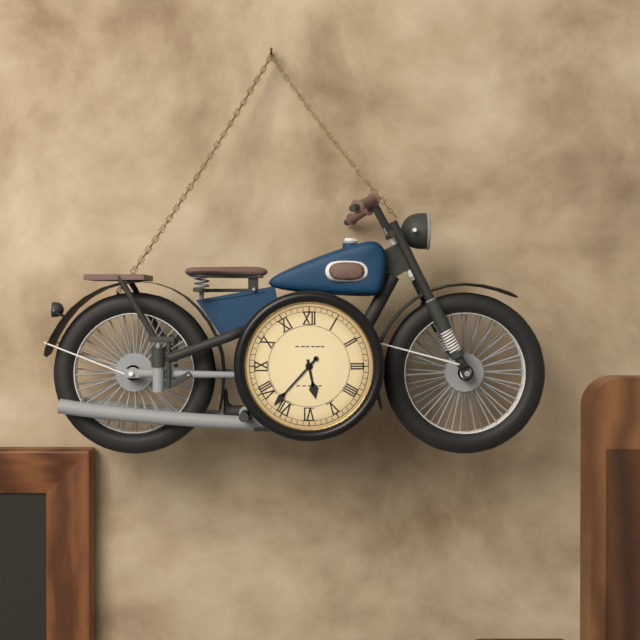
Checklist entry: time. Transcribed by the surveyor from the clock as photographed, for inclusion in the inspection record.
5:37
